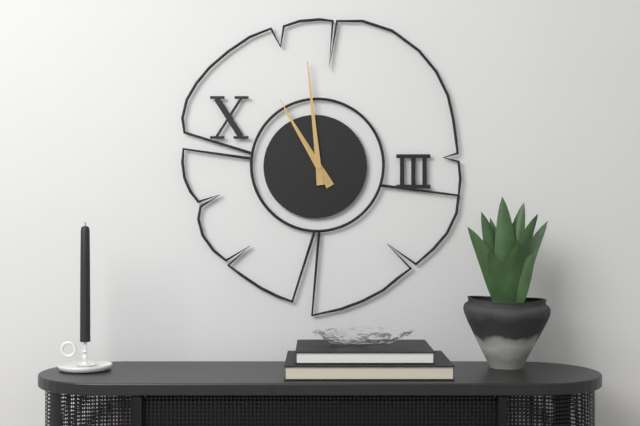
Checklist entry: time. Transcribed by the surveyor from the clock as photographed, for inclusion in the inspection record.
10:59:55
